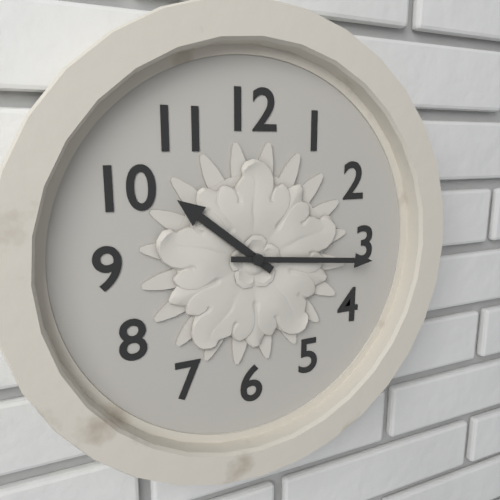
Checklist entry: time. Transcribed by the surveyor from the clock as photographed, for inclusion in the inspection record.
10:16
